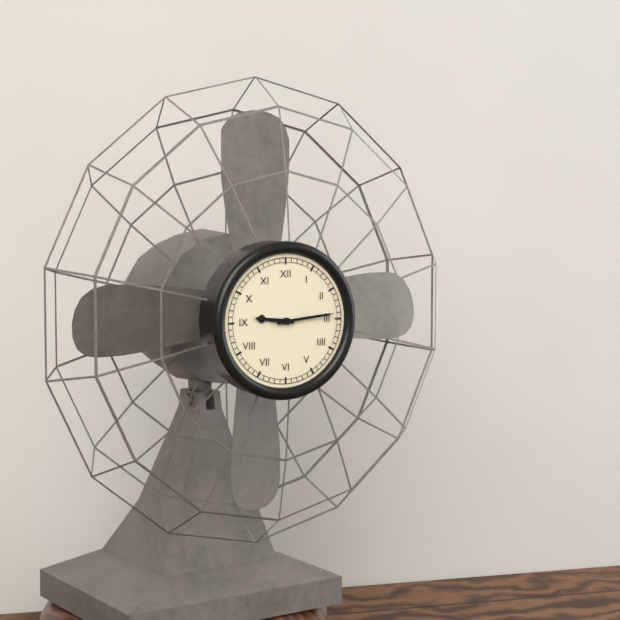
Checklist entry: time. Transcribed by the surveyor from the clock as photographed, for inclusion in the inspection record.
9:14
